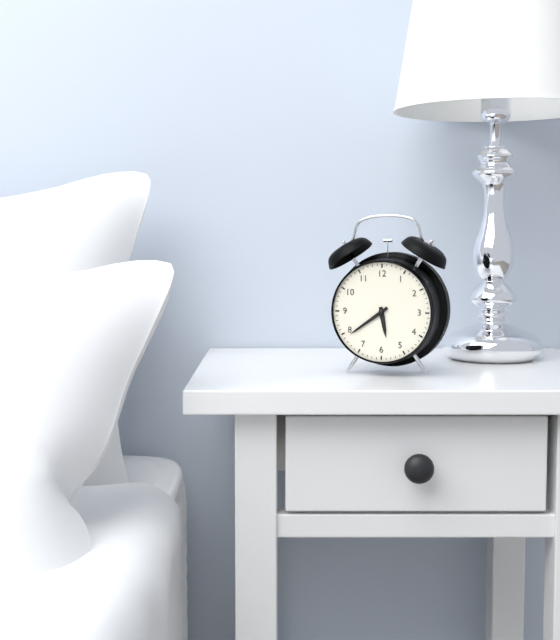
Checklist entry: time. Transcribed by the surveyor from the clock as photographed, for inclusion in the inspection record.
5:39
